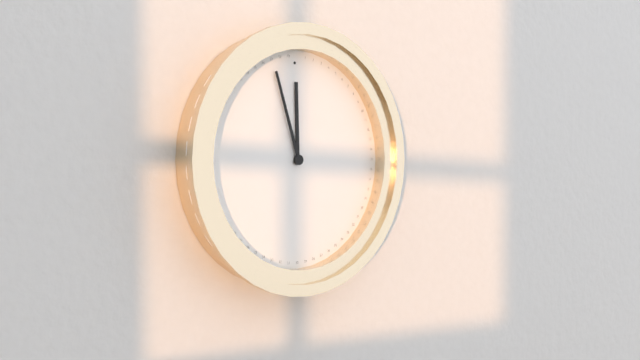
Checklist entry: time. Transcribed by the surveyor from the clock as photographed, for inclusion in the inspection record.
11:57
